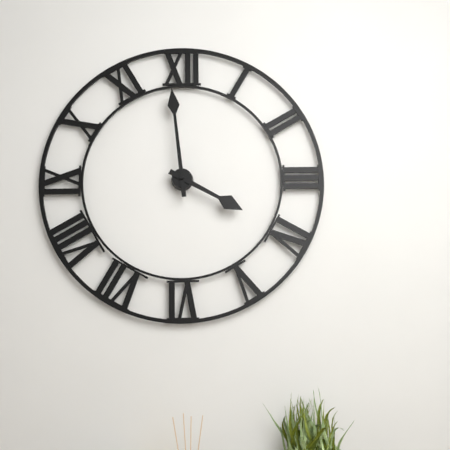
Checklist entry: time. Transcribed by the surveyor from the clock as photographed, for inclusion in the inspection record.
3:59
